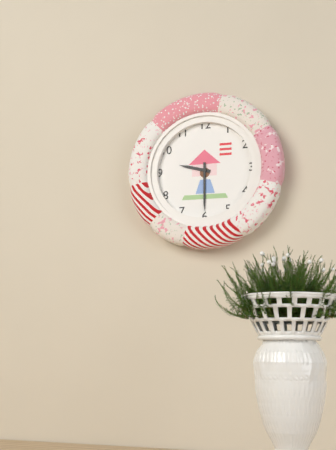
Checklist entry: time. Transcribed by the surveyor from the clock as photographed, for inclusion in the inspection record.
9:30
